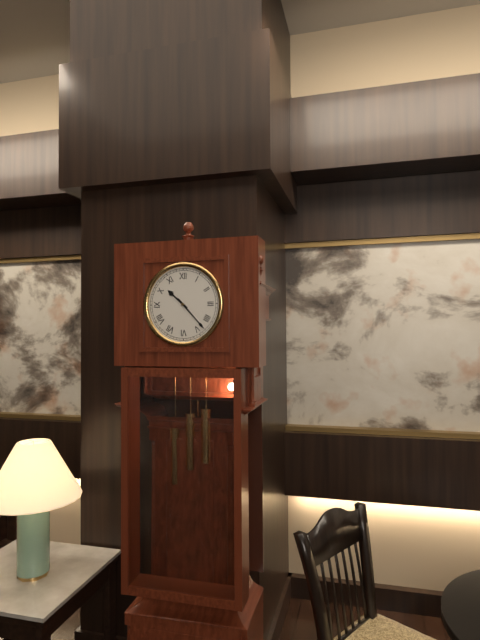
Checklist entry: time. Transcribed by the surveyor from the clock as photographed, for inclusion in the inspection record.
10:23
